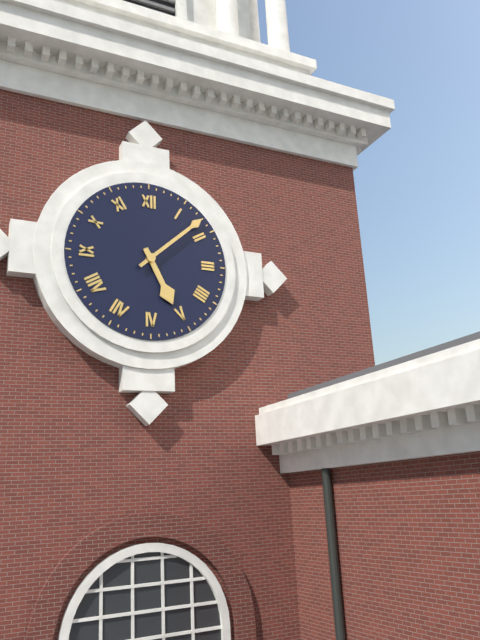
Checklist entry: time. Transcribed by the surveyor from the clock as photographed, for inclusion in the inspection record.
5:08
